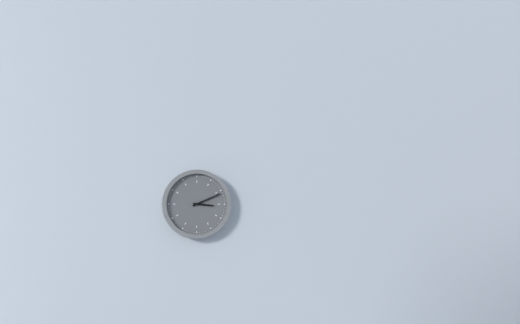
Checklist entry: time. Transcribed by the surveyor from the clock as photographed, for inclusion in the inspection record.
3:11
